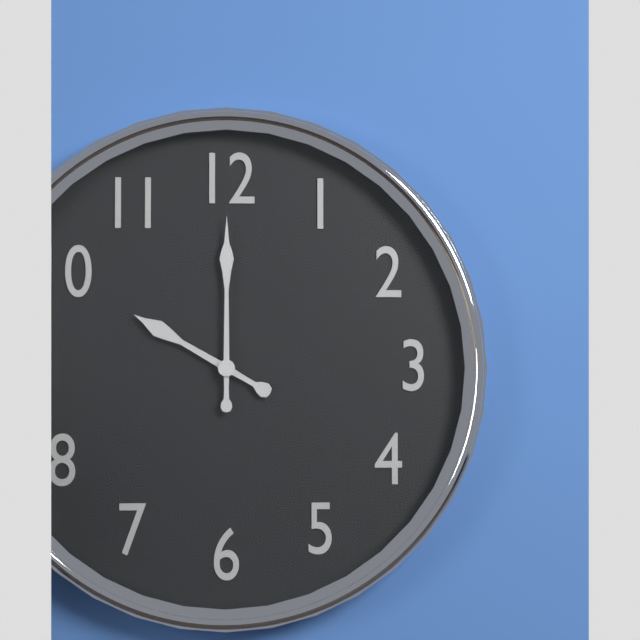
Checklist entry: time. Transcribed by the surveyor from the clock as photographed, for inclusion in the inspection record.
10:00
